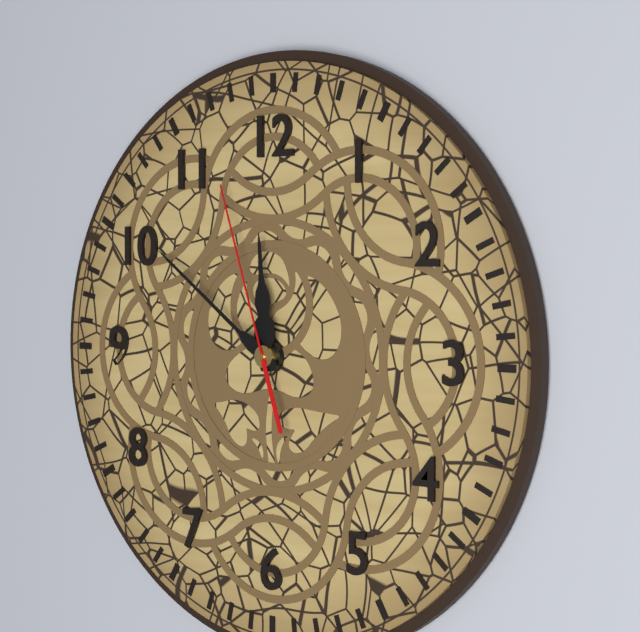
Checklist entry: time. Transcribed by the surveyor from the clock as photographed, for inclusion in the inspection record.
11:51:57
